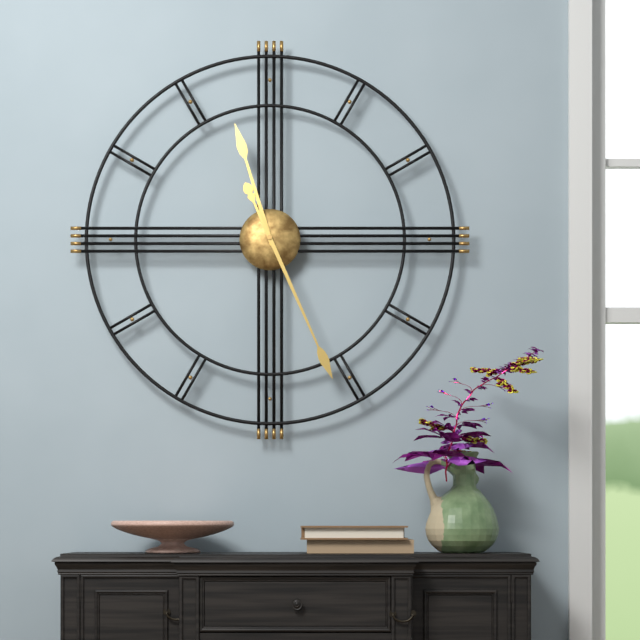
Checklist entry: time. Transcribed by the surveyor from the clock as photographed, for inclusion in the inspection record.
11:26
